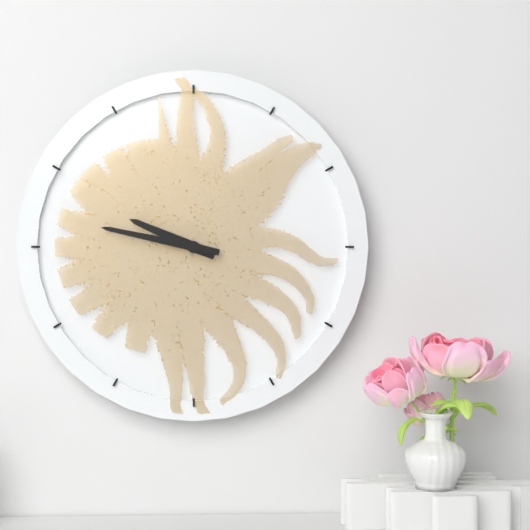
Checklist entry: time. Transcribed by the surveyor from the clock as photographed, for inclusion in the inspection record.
9:47
